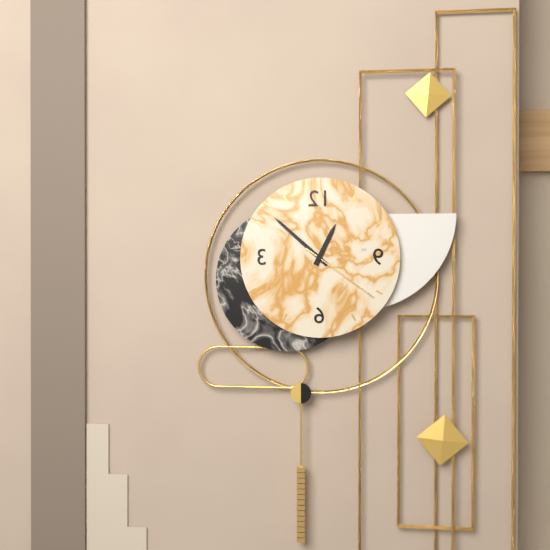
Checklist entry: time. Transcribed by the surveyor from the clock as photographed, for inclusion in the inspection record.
12:52:21
